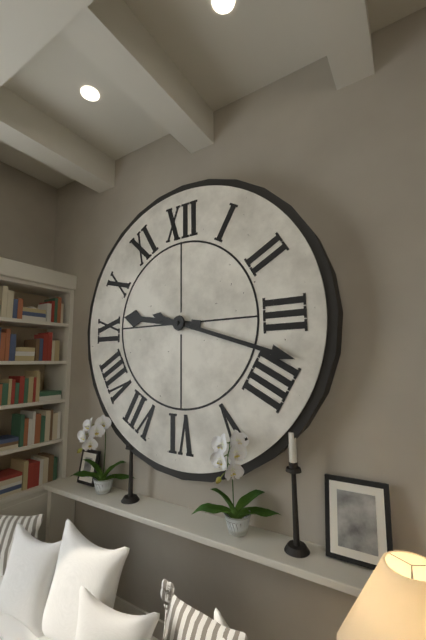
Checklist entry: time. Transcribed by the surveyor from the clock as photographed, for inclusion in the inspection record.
9:18
